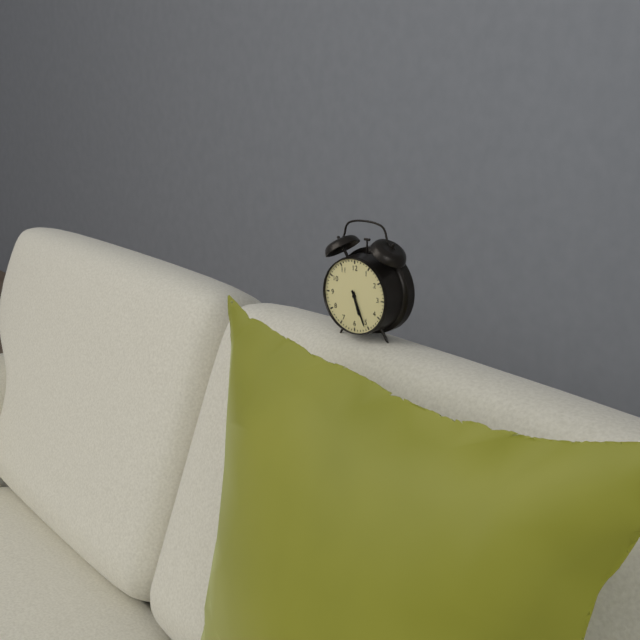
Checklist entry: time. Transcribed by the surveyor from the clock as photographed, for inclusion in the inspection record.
5:26
